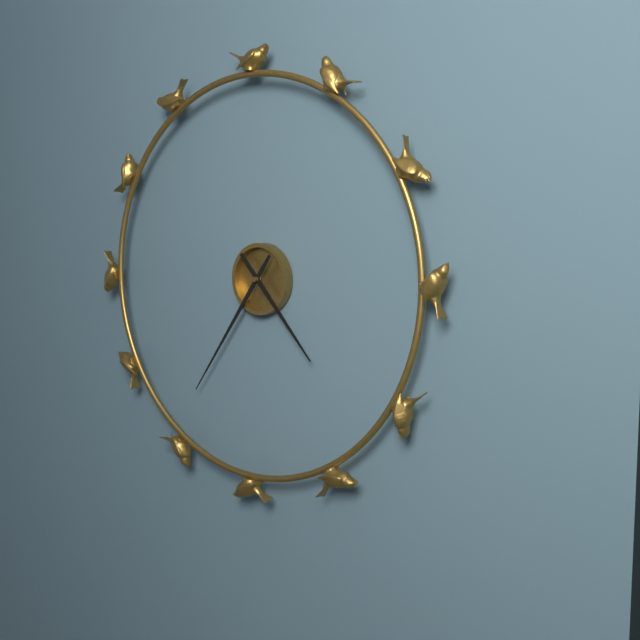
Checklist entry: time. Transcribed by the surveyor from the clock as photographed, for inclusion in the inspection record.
4:36
